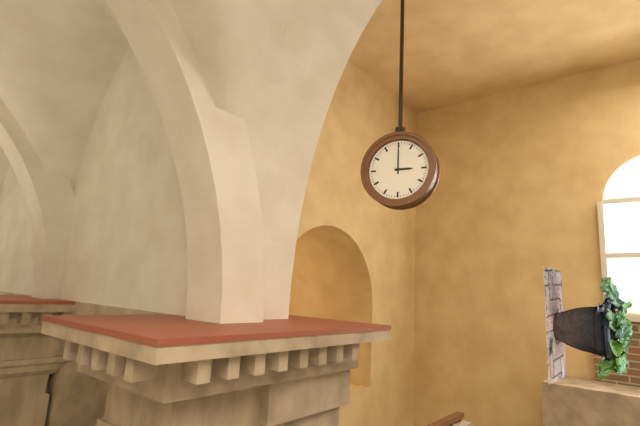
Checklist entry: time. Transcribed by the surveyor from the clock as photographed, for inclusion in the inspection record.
3:00
